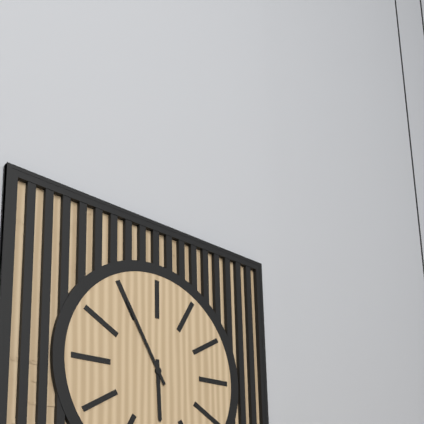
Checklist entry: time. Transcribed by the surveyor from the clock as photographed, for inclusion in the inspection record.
5:55
